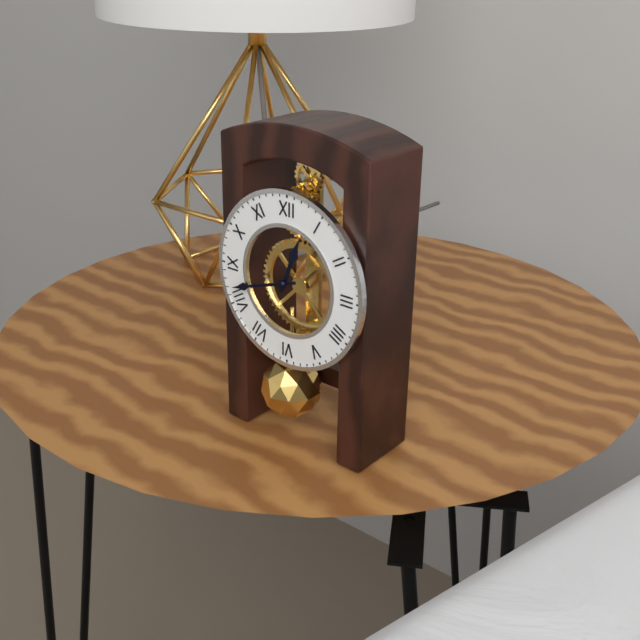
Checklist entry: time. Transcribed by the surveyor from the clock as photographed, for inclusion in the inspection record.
12:42
